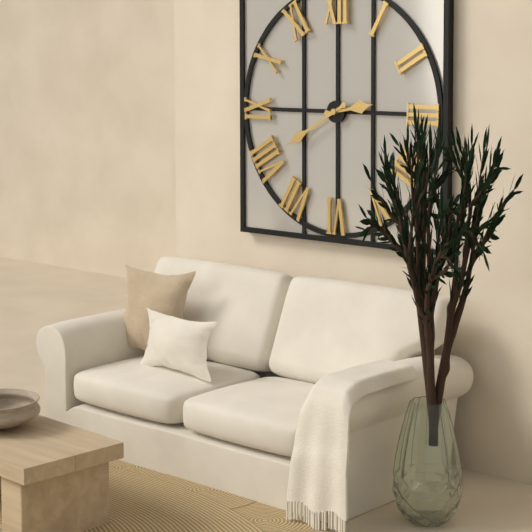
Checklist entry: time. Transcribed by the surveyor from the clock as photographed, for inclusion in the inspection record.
2:40
